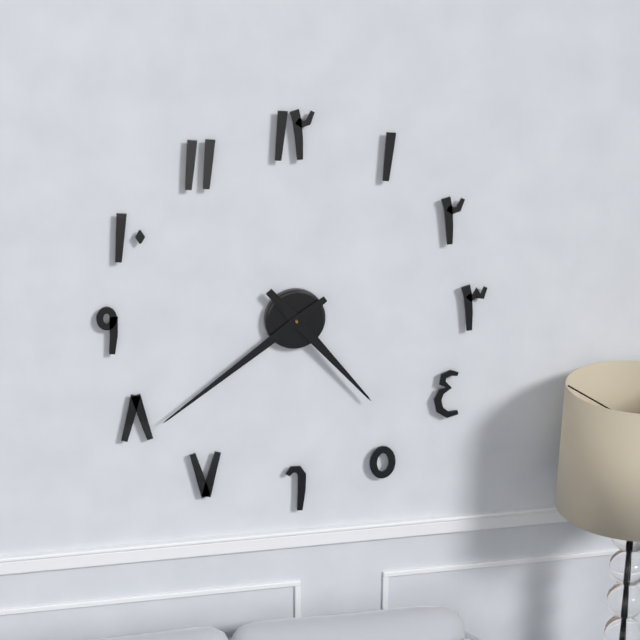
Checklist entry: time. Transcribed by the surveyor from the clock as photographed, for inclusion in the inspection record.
4:39
